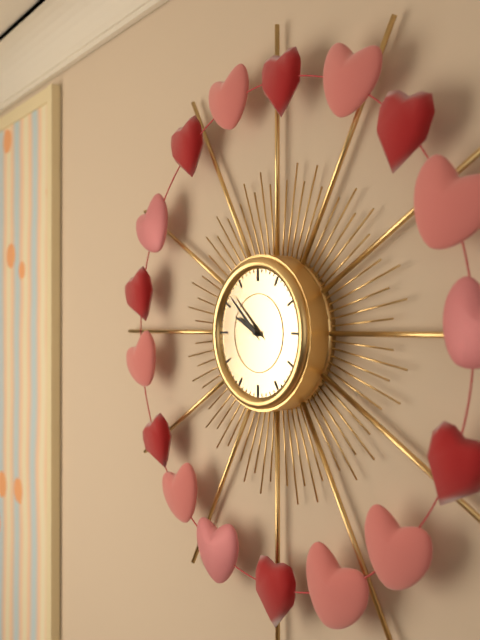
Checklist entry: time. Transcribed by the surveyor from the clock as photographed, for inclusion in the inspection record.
9:52
